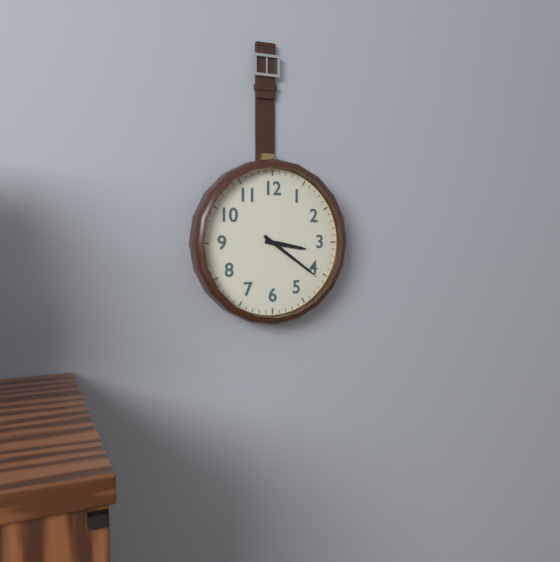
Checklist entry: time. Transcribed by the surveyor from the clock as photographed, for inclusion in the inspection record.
3:21
